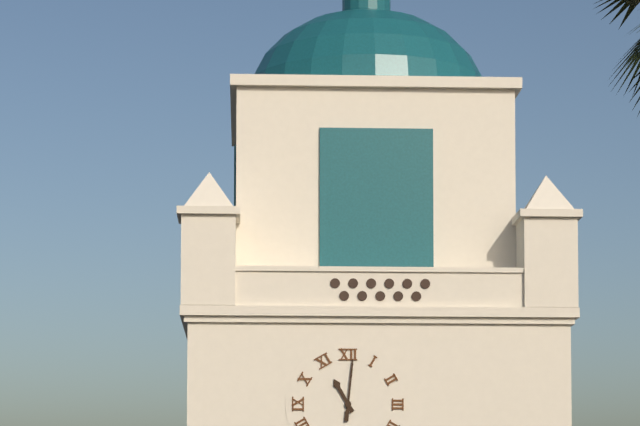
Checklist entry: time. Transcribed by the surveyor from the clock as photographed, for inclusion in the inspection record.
11:01
